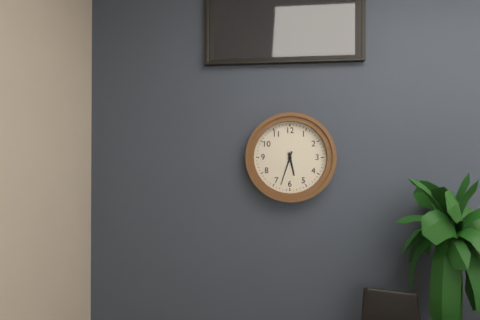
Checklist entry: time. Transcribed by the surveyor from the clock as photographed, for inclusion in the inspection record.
5:33
